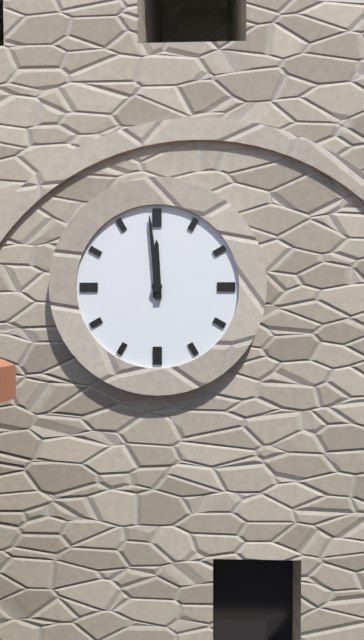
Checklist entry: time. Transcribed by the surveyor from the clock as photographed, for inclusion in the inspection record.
11:59
